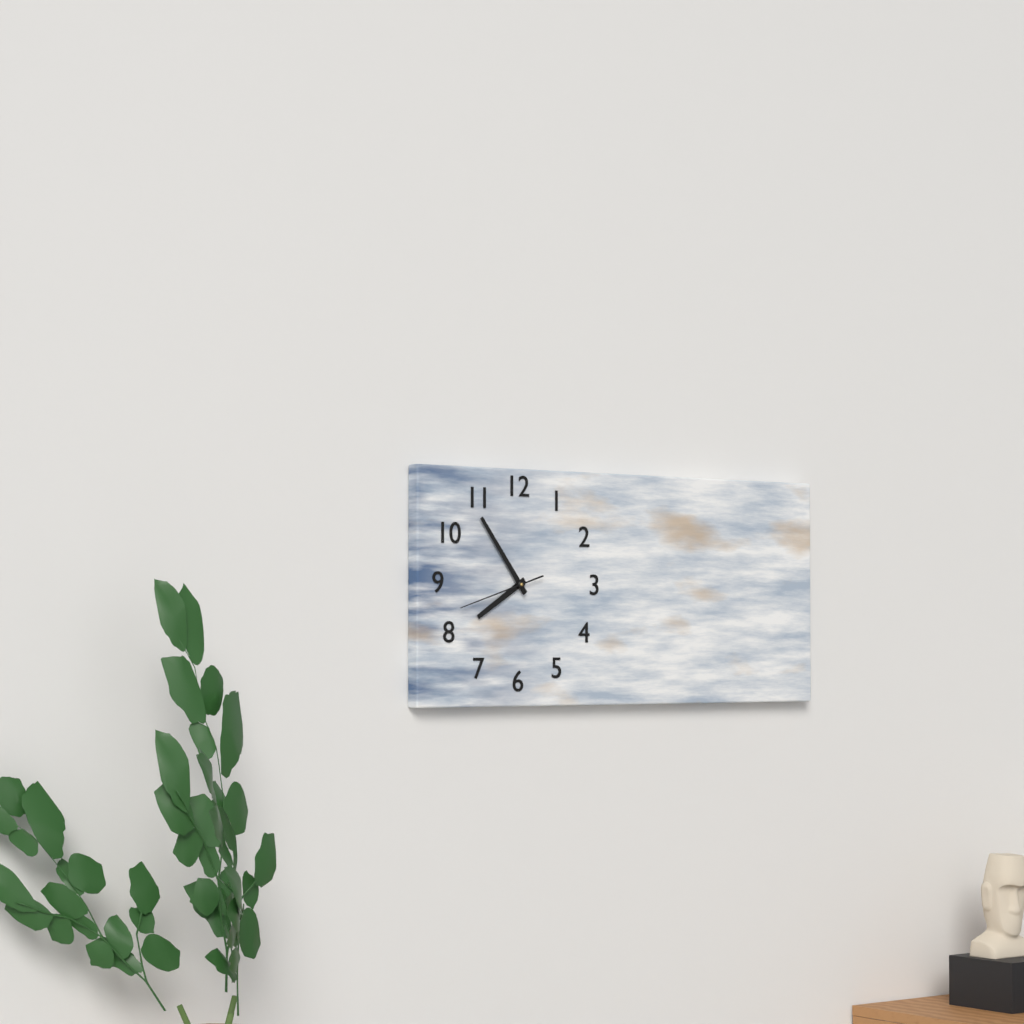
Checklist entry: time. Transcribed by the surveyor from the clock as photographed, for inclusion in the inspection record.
7:54:42
